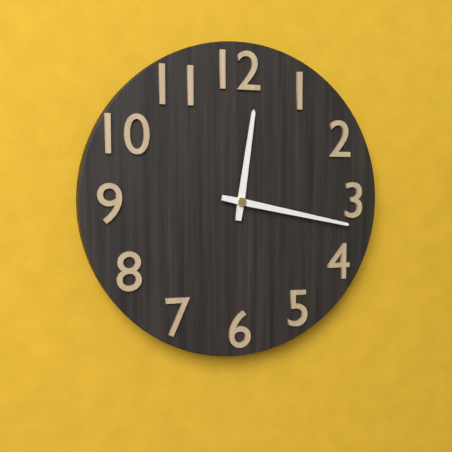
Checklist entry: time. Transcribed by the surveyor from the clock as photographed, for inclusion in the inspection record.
12:17
